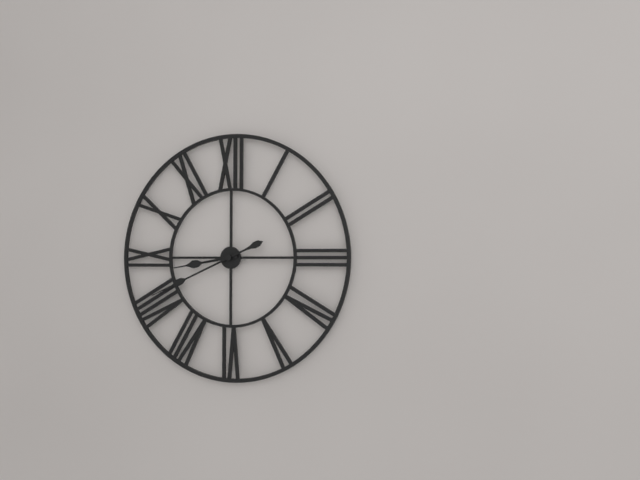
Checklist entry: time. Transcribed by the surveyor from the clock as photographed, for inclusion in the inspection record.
8:41
